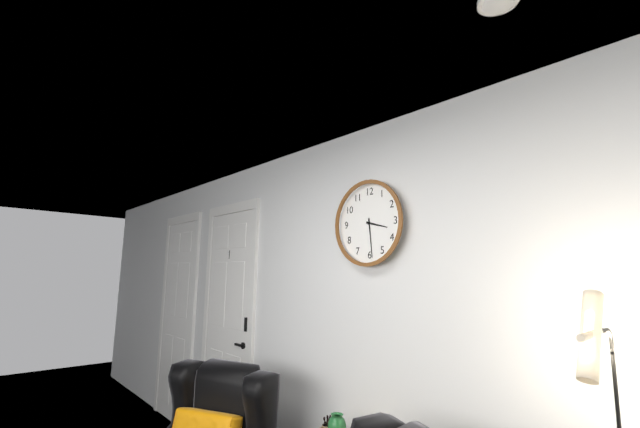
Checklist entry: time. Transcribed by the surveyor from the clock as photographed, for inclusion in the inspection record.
3:29
